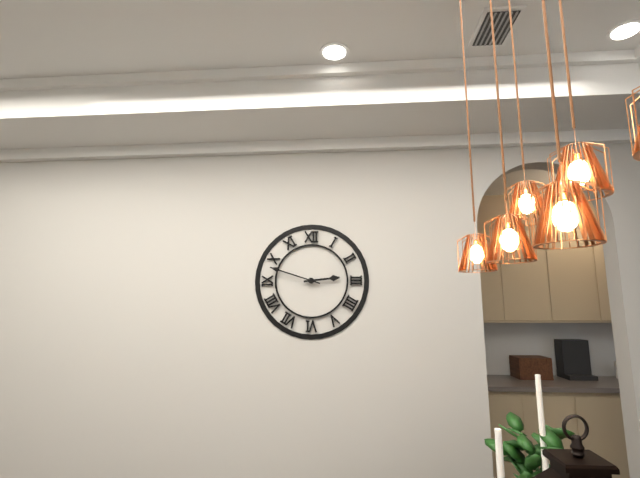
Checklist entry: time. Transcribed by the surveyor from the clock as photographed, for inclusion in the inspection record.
2:48
